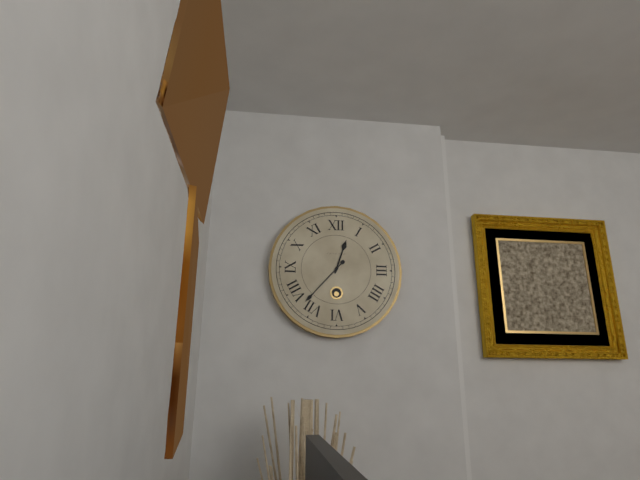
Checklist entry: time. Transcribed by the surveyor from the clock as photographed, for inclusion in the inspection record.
12:37
